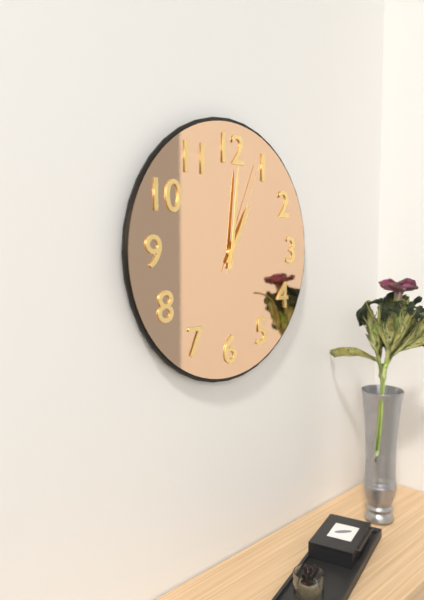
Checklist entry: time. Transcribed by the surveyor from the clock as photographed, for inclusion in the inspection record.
1:01:04
